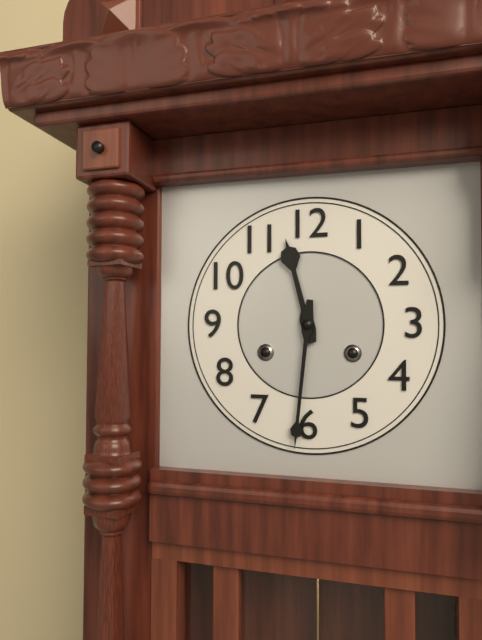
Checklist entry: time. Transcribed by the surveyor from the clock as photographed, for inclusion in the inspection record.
11:31
